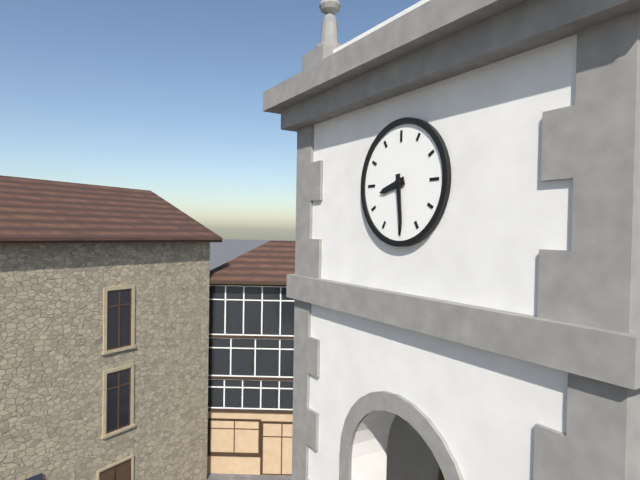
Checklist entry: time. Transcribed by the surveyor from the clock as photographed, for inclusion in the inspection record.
8:29
